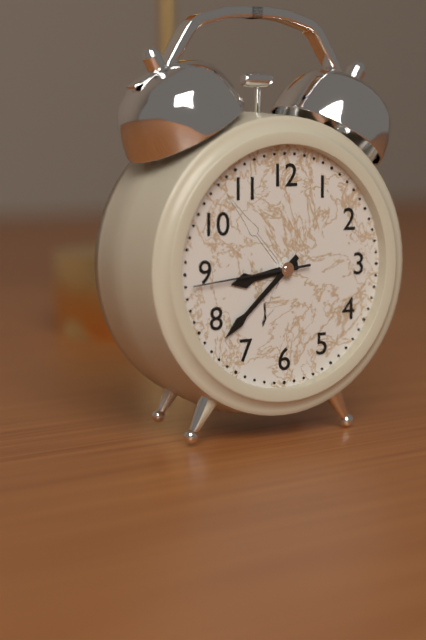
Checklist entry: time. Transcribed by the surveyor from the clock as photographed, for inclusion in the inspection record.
8:38:44
